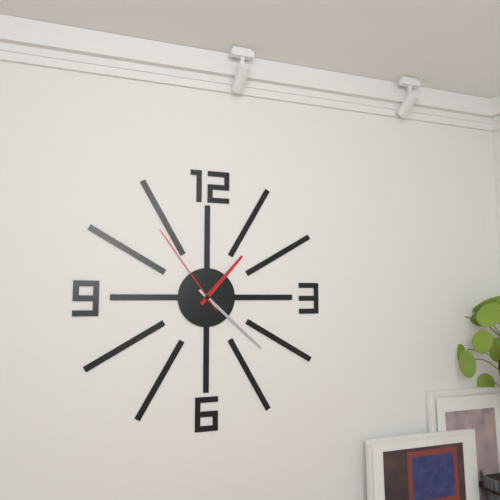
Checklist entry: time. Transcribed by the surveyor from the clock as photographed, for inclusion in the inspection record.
1:22:54
